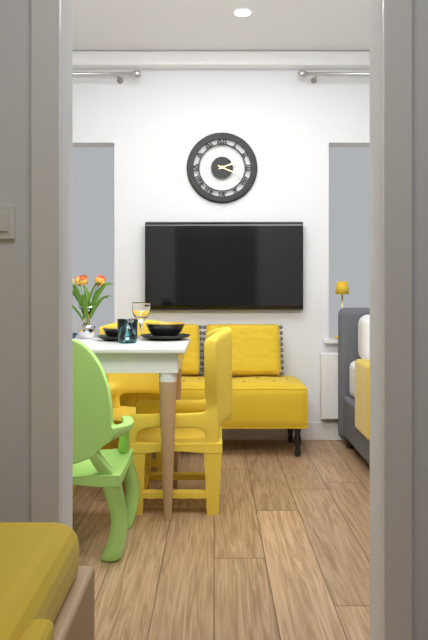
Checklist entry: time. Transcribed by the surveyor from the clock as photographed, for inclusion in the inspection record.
2:19
